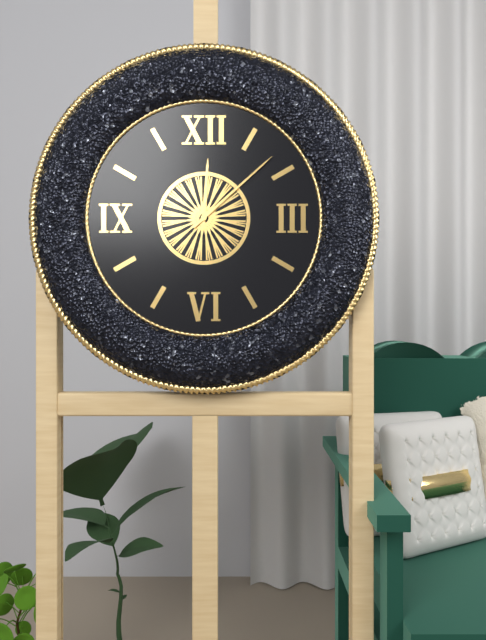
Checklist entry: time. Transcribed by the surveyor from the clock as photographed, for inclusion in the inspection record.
12:08
